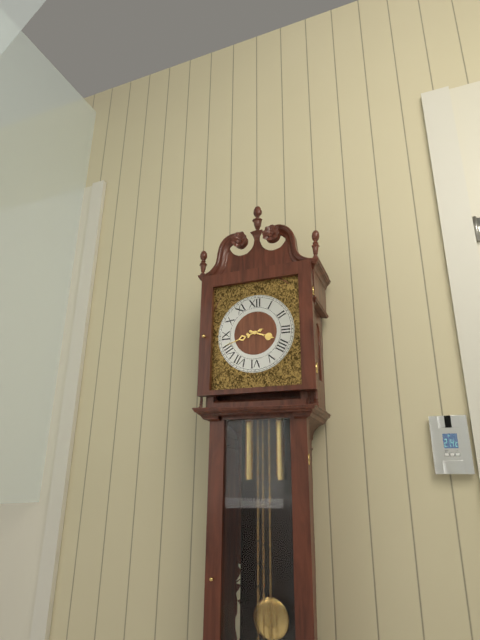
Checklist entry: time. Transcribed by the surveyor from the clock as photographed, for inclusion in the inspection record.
3:42
